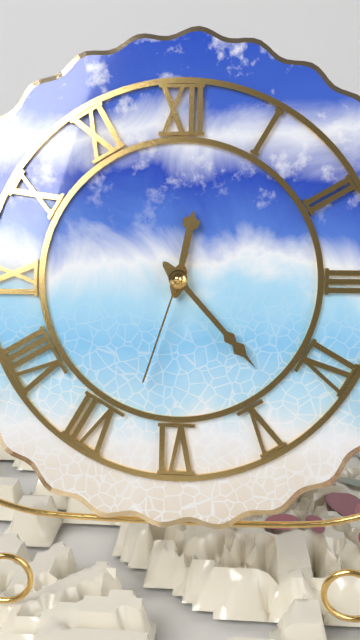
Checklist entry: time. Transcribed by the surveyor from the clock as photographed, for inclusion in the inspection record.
12:23:33
